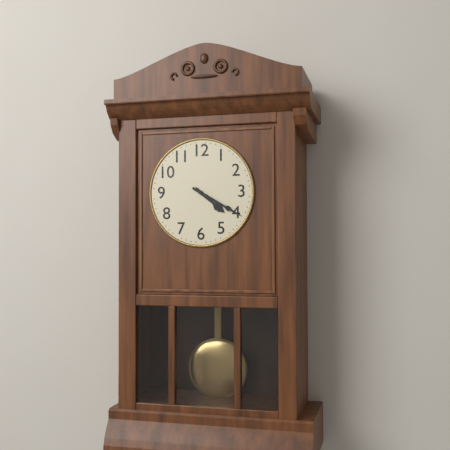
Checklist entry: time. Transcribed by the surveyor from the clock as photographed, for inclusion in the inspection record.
4:20
